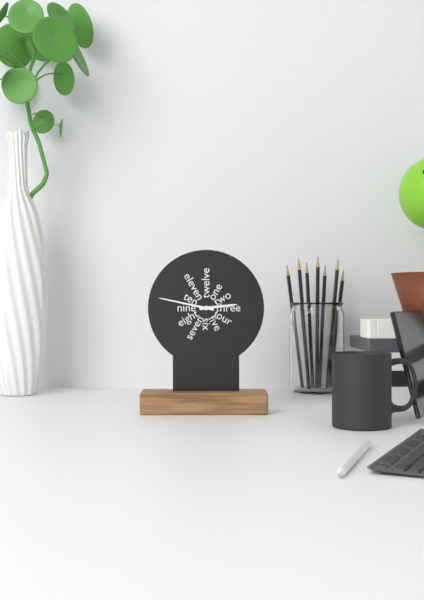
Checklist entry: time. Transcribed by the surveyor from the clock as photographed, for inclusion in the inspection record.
2:47
